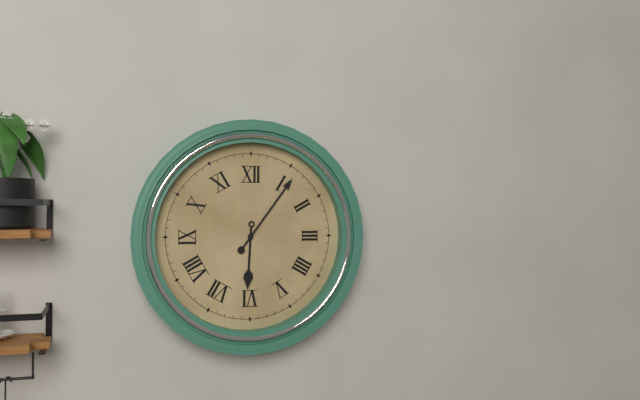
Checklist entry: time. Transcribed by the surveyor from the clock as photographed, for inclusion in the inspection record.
6:06
